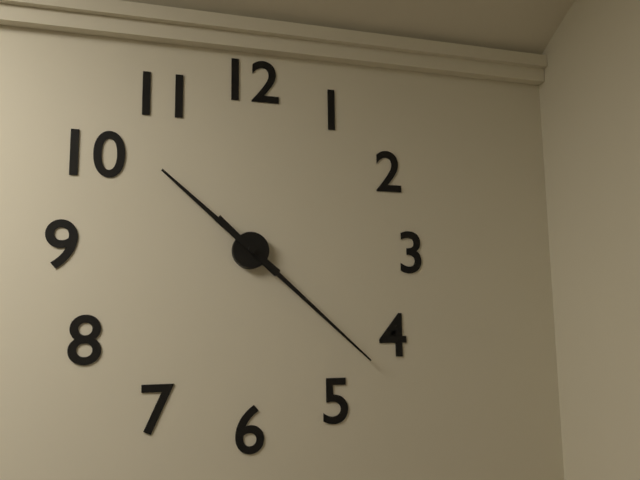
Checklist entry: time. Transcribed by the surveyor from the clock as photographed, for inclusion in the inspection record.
10:22
